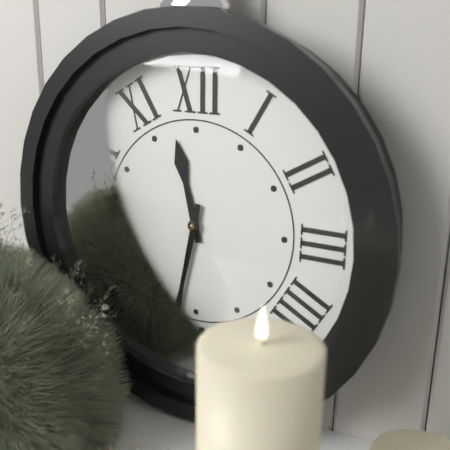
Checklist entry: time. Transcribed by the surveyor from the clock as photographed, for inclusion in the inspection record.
11:32
